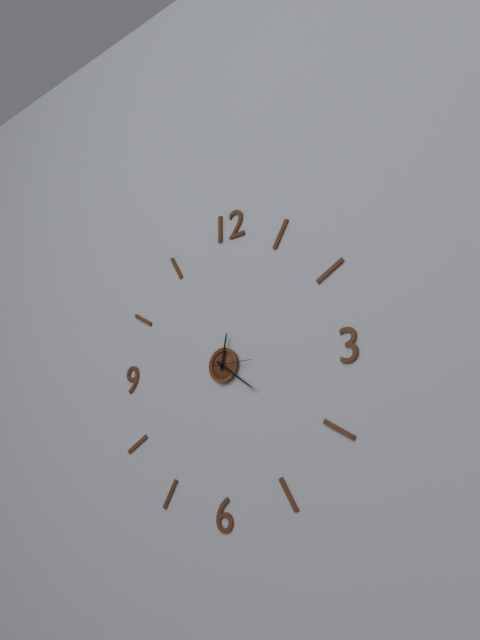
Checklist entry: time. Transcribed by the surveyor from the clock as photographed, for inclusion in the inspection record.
12:21
